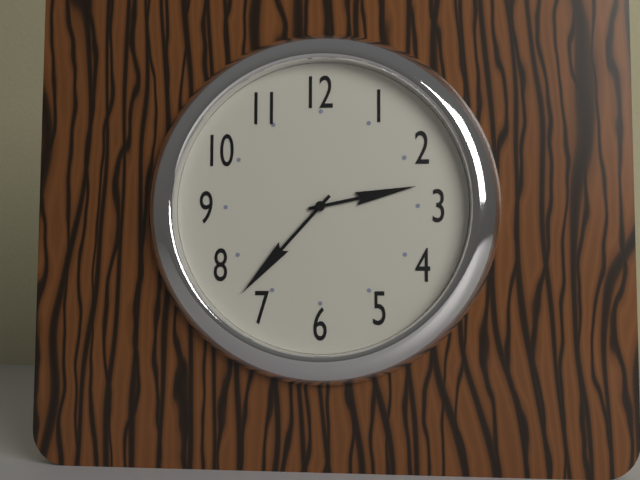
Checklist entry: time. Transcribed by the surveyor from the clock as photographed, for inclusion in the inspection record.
2:37
